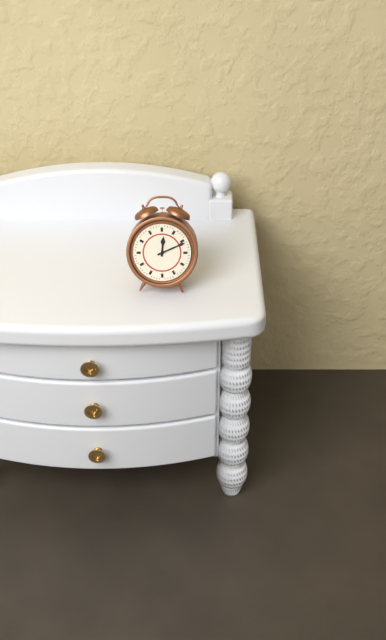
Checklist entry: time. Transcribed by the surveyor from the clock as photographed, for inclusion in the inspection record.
12:11
